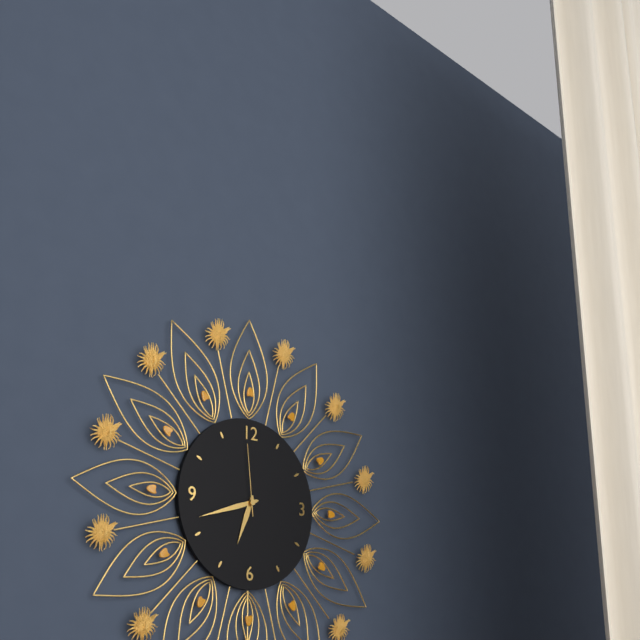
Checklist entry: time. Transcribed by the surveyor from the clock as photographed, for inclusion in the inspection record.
6:42:59
